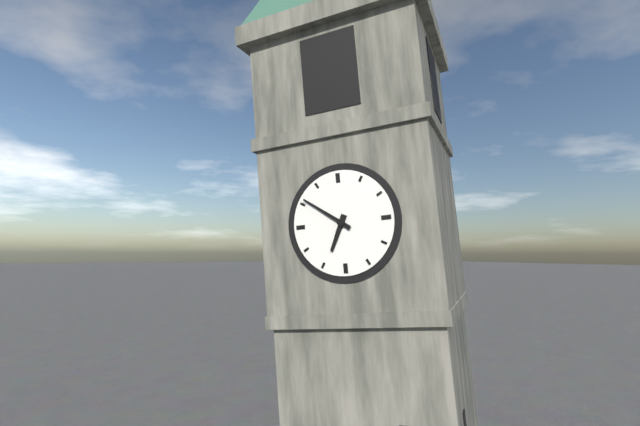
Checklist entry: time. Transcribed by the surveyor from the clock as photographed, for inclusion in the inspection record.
6:51
